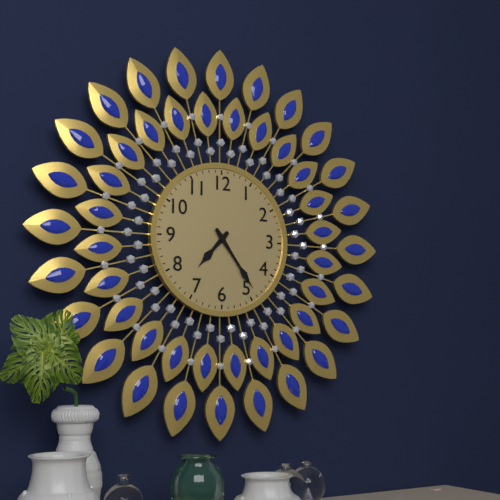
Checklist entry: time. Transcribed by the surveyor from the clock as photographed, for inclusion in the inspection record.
7:24
